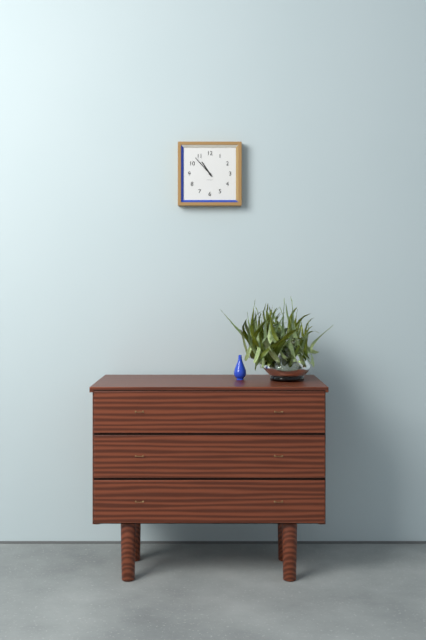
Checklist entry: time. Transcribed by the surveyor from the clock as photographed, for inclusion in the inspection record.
10:53
